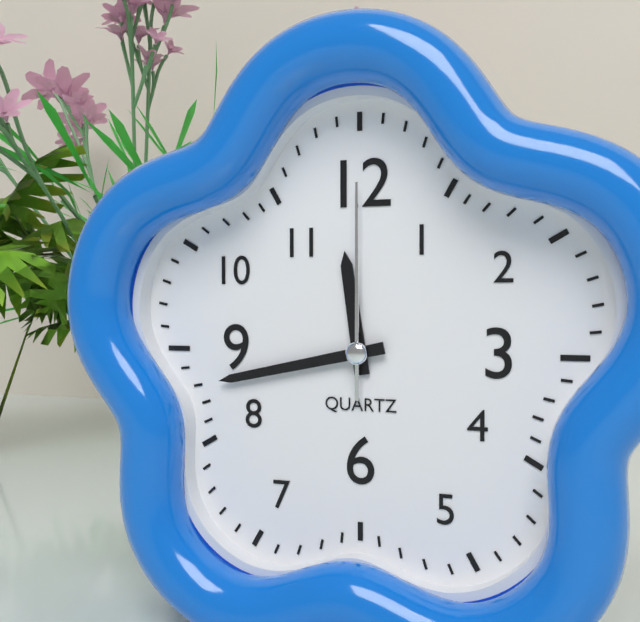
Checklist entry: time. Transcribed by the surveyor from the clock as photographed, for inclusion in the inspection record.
11:43:00
